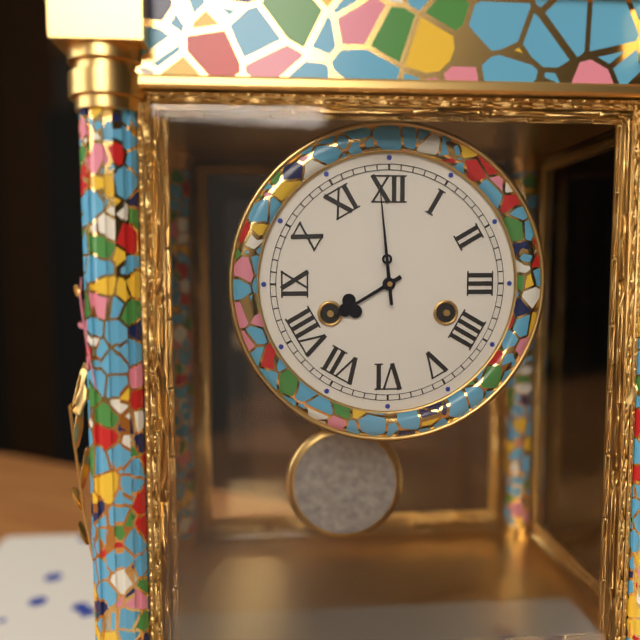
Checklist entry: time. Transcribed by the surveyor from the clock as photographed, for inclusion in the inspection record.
7:59
